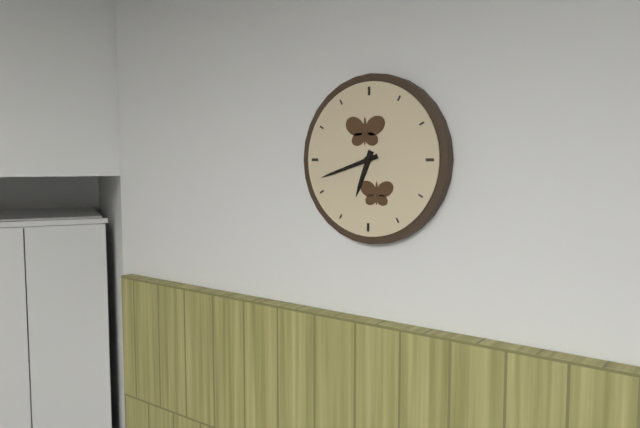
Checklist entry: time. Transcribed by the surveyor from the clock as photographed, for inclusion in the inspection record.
6:42
